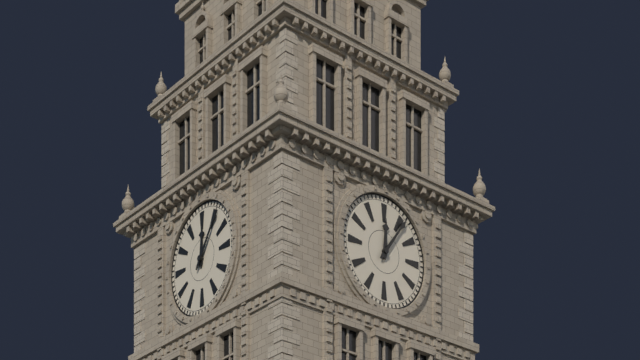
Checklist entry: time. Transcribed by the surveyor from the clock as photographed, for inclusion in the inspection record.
12:06
